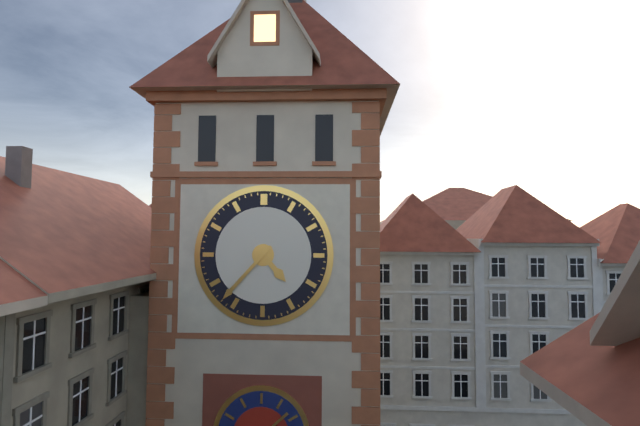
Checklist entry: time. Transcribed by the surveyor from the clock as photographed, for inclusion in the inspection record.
4:37
